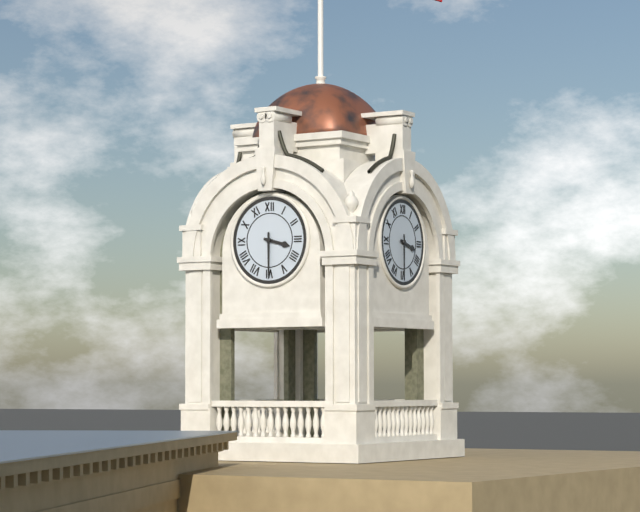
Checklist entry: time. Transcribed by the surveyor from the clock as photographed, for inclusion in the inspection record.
3:30
